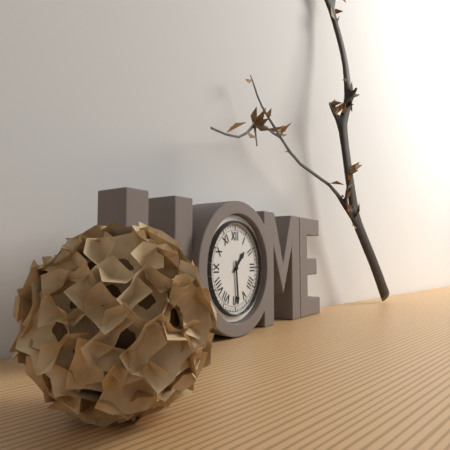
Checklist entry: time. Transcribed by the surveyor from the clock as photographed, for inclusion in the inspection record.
1:29
